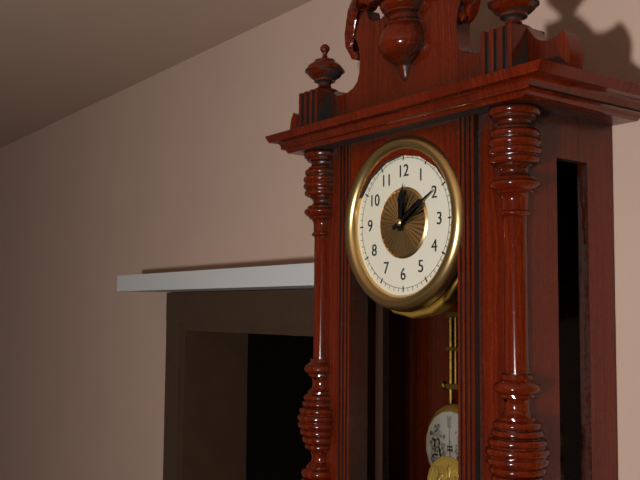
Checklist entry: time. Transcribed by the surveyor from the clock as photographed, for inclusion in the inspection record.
12:10
